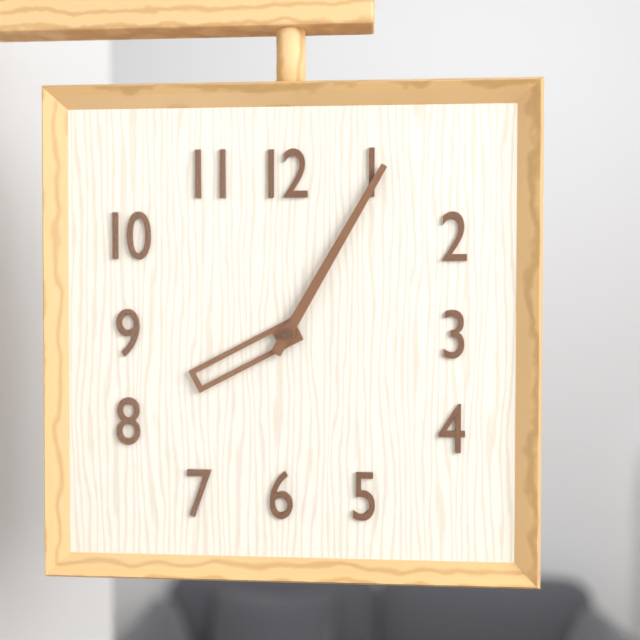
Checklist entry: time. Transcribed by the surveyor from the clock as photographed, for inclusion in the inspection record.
8:05
